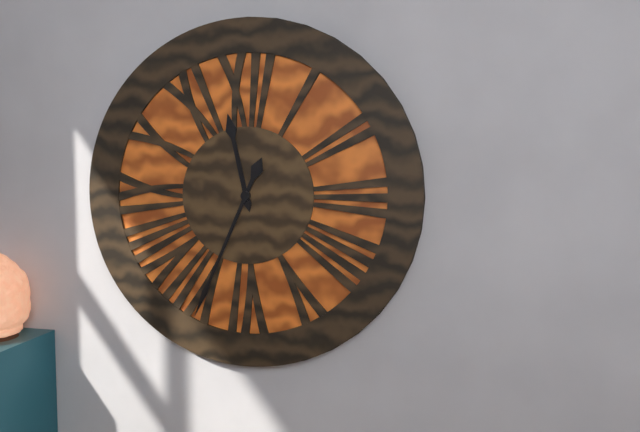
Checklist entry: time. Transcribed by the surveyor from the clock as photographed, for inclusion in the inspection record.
11:34
